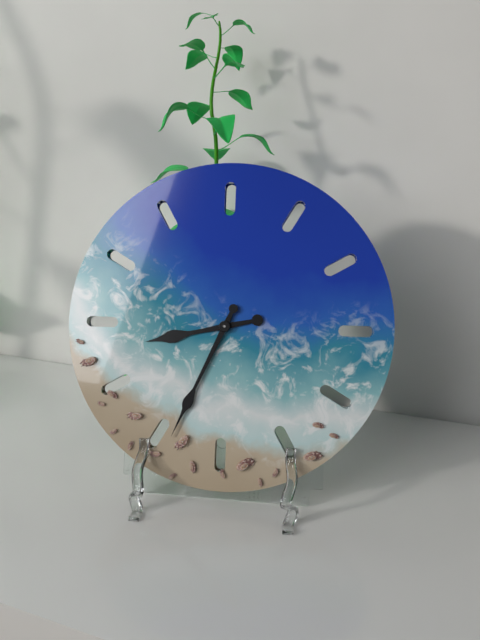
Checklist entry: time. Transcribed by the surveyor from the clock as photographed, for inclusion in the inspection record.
8:34
